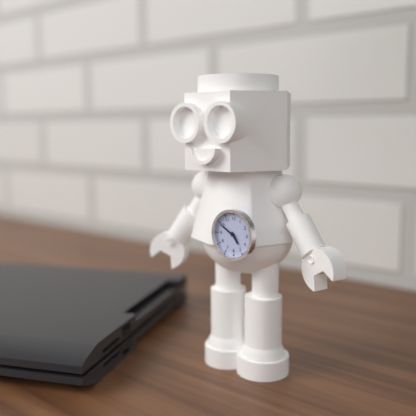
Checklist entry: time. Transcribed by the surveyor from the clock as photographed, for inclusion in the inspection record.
4:50
